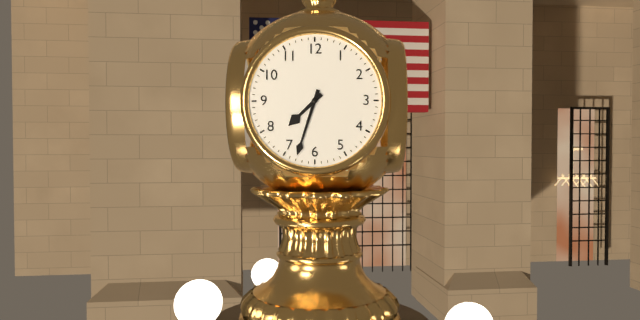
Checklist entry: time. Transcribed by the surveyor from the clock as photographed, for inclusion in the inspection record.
7:33
